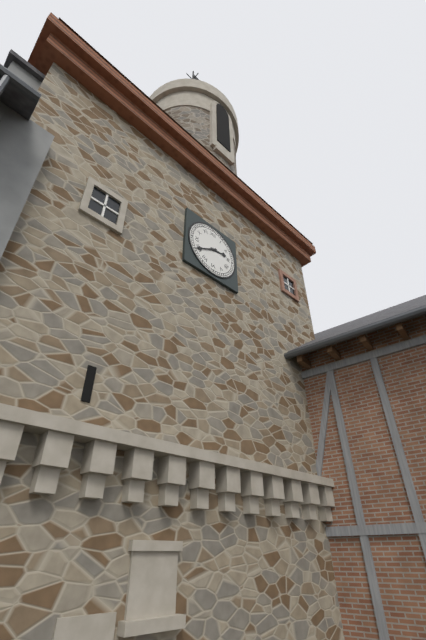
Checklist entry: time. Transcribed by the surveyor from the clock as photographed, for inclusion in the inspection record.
2:40
